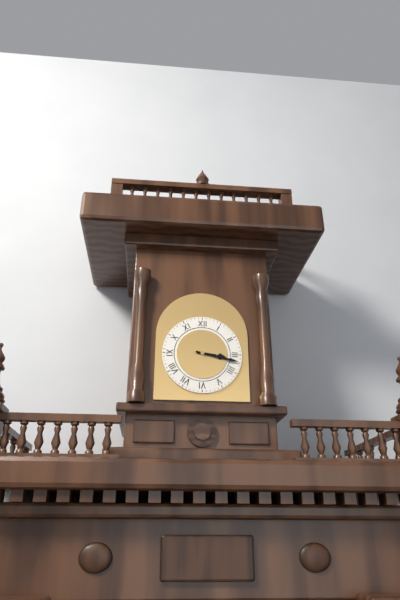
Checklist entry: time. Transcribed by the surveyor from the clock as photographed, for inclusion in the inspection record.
3:17
